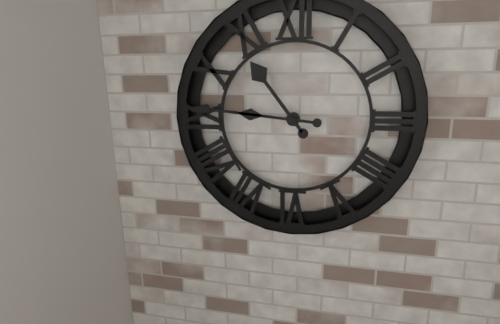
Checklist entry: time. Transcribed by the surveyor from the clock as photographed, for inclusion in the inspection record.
10:46
